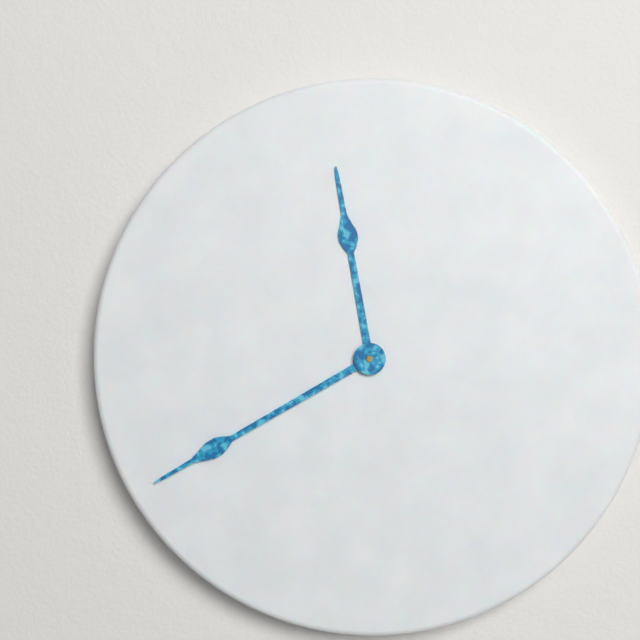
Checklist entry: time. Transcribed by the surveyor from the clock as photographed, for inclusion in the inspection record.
11:40
